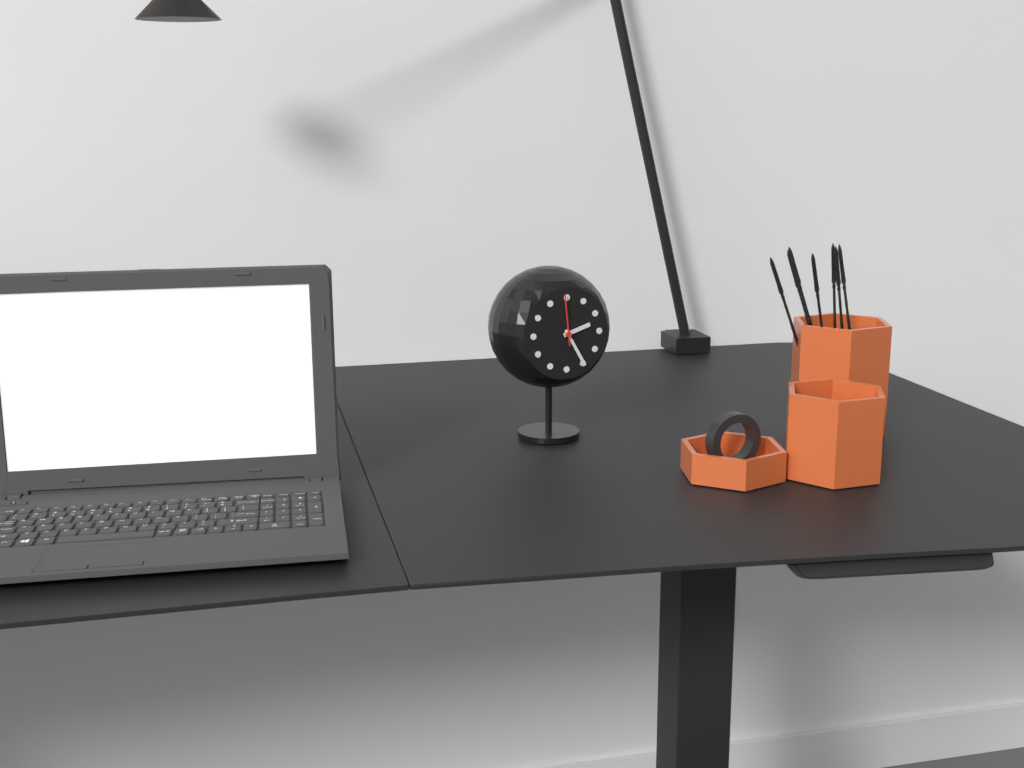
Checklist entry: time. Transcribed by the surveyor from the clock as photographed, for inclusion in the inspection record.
2:25
